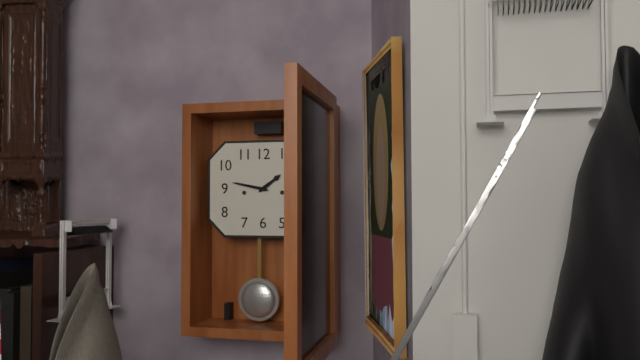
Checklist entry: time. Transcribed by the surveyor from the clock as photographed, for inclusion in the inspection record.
1:47
